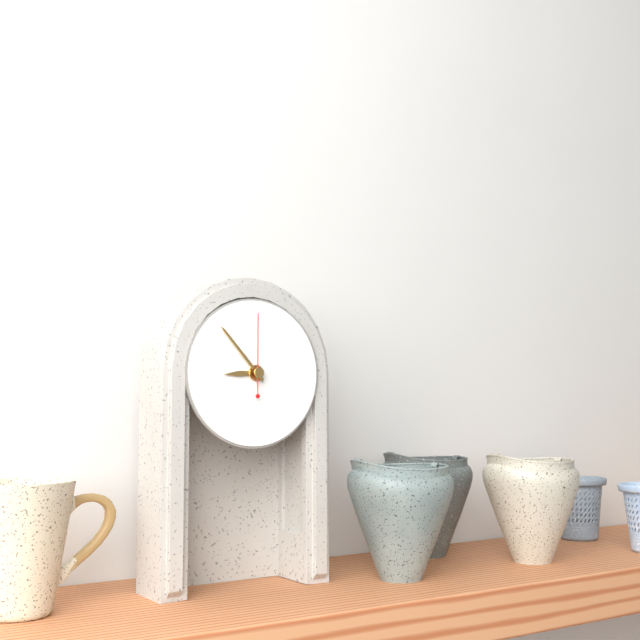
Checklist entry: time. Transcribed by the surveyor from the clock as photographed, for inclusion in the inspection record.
8:53:00
